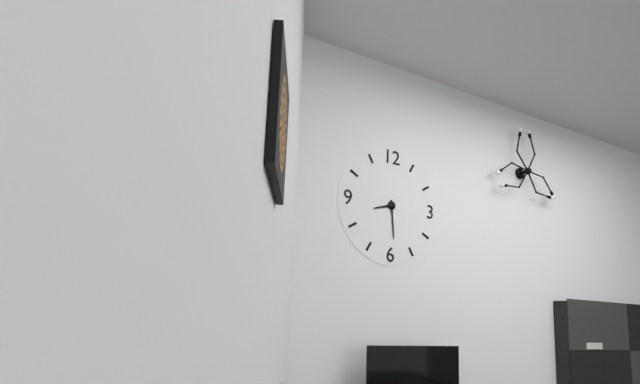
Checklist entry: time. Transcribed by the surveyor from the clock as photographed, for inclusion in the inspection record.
8:29
